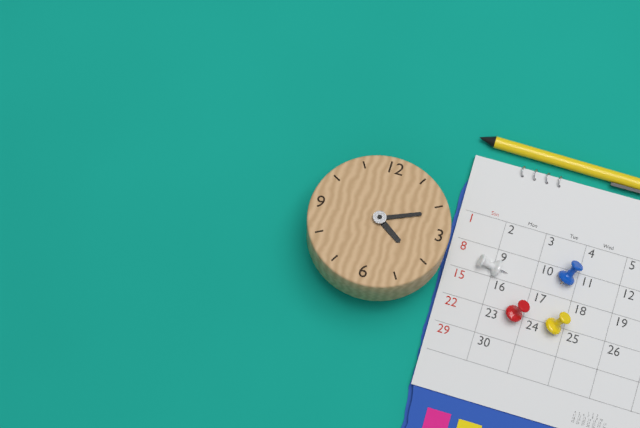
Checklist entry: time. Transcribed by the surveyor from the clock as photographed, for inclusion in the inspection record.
4:11
